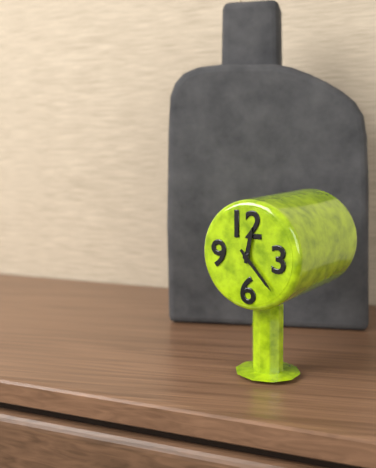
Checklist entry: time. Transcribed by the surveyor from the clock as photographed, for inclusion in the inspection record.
12:23
